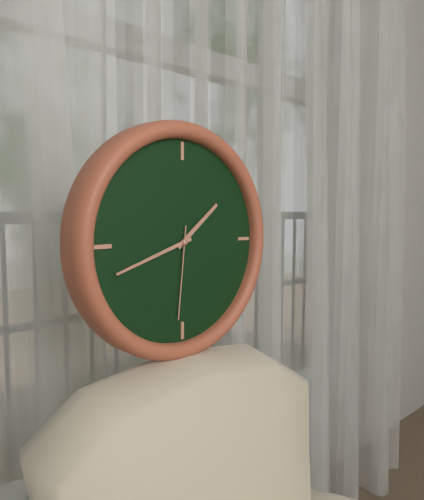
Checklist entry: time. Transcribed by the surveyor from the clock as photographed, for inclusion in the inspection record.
1:42:31
